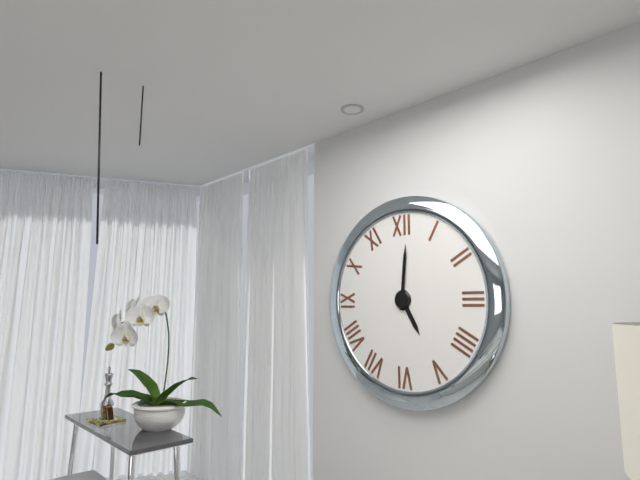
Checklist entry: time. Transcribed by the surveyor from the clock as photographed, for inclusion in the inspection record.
5:01
